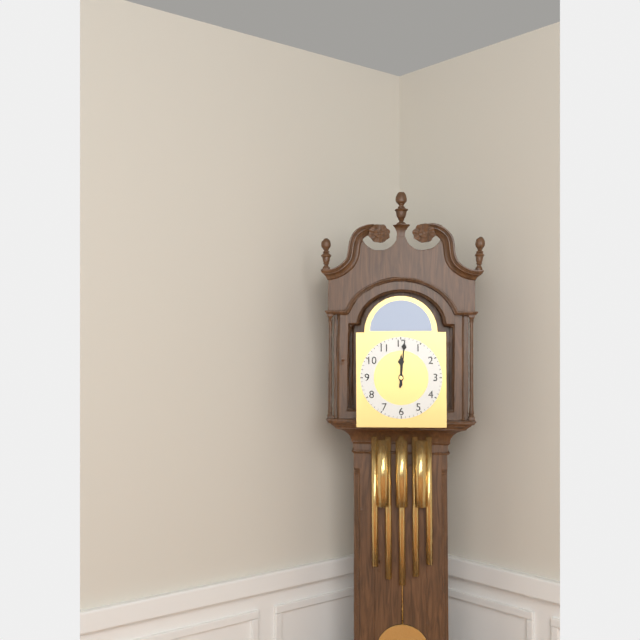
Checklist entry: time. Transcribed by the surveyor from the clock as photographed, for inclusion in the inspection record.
12:01
